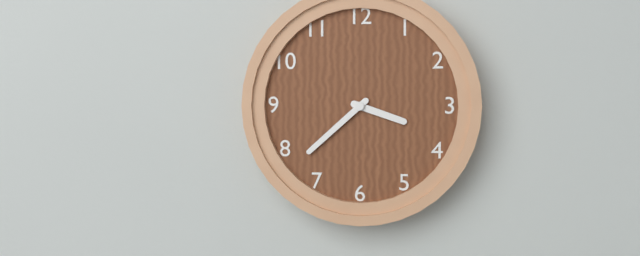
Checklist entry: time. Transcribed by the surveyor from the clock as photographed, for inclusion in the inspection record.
3:38
